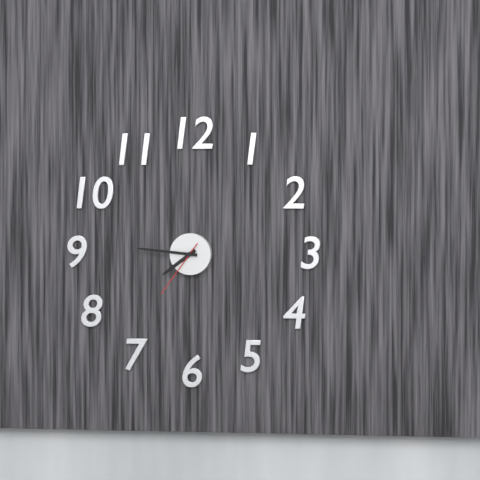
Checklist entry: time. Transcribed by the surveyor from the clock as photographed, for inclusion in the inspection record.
7:46:36
